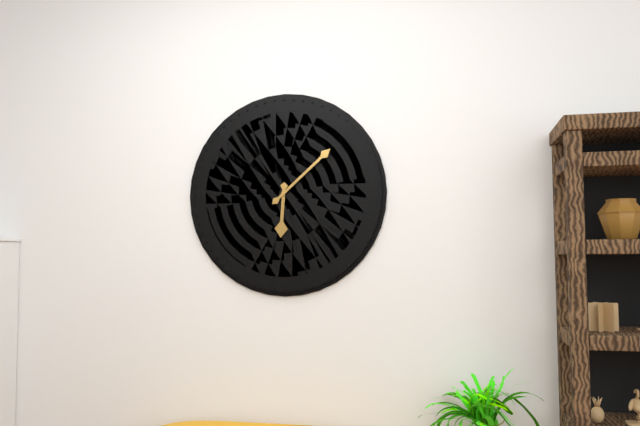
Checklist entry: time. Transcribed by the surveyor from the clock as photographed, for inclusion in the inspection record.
6:08
